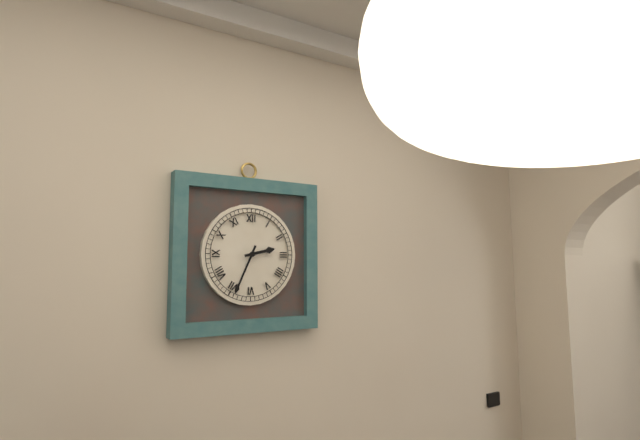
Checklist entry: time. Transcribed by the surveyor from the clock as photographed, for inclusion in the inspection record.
2:34
